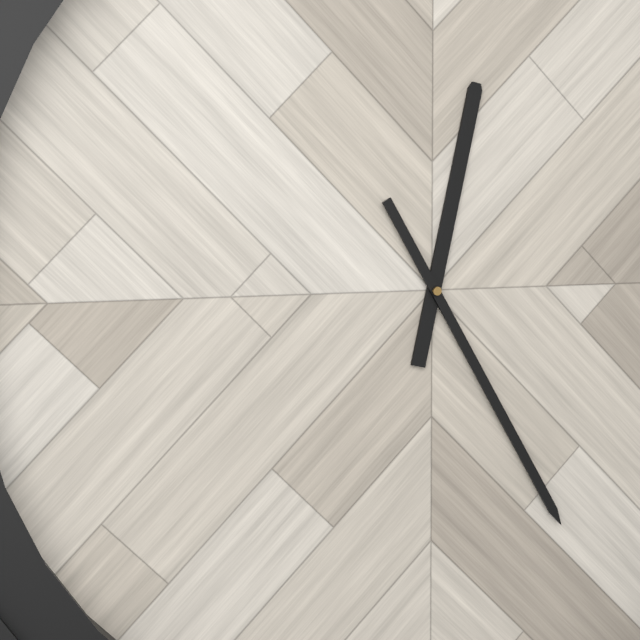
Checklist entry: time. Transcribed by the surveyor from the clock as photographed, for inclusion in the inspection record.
12:25
